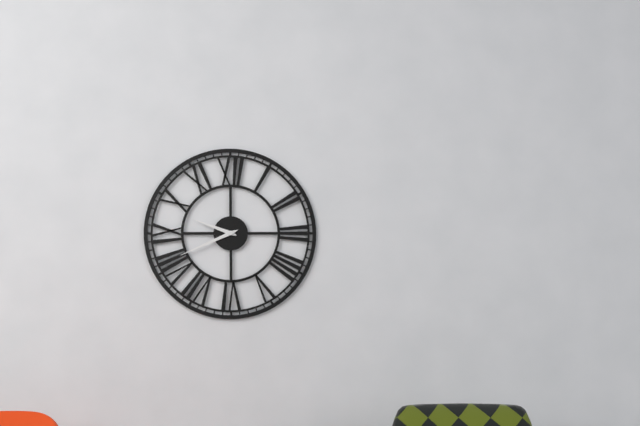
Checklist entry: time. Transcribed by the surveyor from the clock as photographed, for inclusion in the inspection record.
9:41
